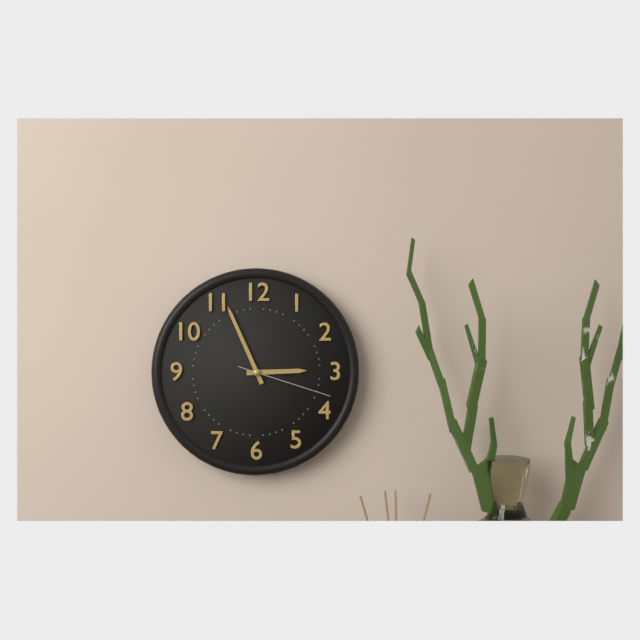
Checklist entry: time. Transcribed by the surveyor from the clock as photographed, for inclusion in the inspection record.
2:56:18
